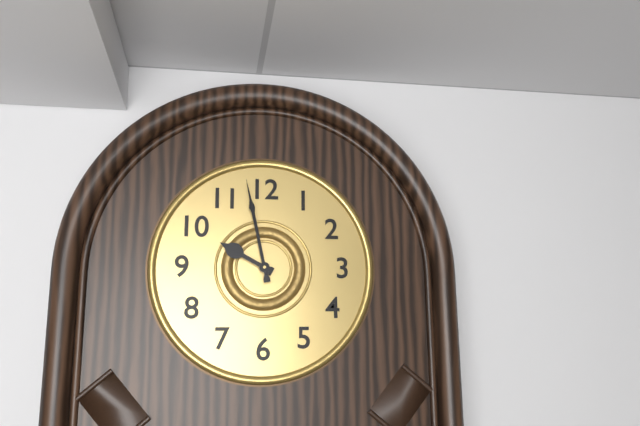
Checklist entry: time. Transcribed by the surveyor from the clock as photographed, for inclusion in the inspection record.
9:58
